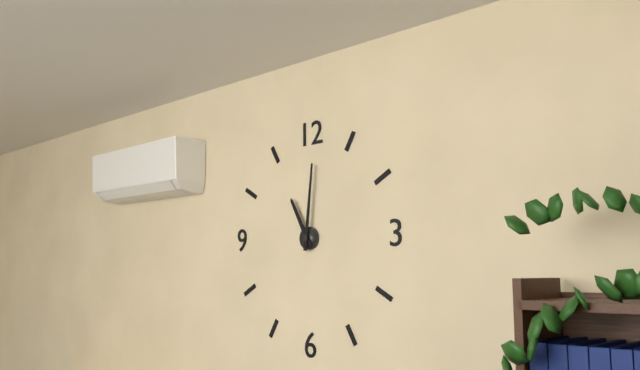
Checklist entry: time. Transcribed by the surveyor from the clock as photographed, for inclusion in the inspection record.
11:01
